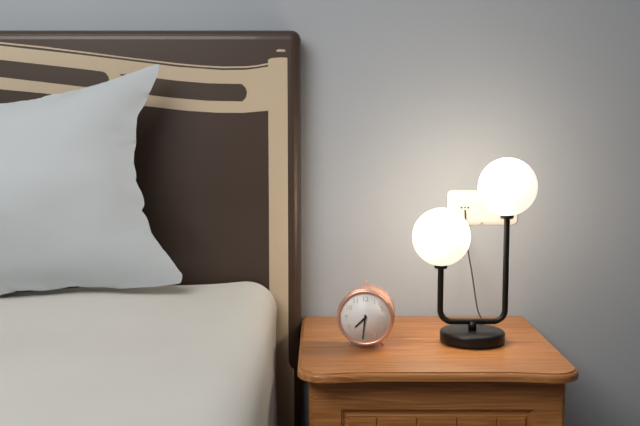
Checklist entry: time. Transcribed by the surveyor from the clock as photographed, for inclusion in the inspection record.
7:31
